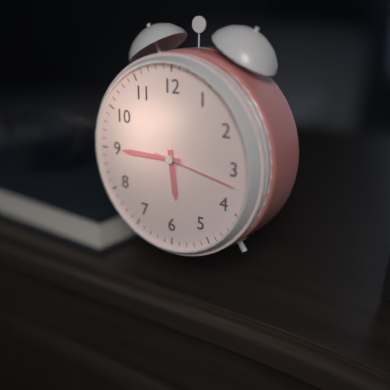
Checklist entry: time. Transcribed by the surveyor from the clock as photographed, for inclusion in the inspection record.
5:45:17
